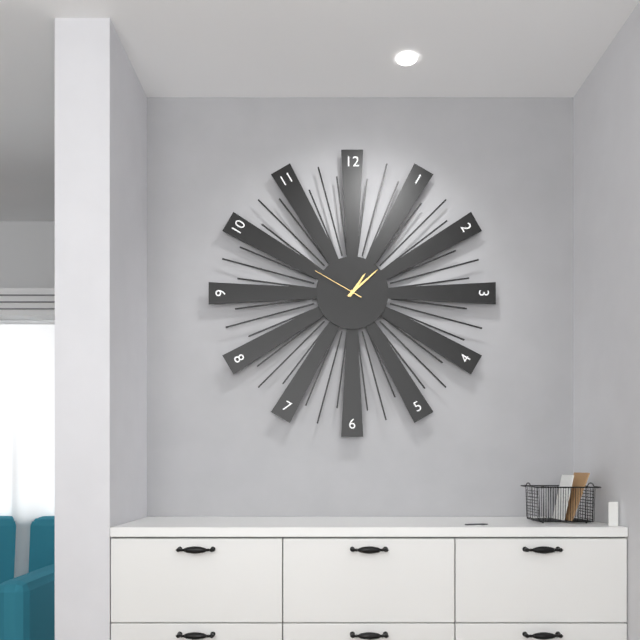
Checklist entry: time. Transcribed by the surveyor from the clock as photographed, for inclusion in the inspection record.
1:08:50
